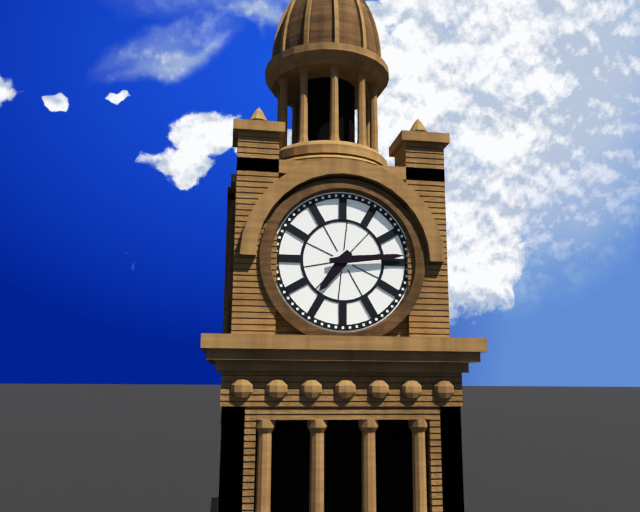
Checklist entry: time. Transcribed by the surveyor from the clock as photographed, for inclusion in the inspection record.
7:14
